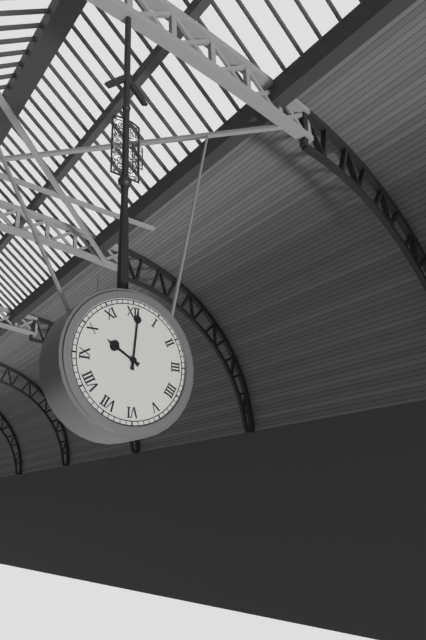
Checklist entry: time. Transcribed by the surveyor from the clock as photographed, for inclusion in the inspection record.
10:01
